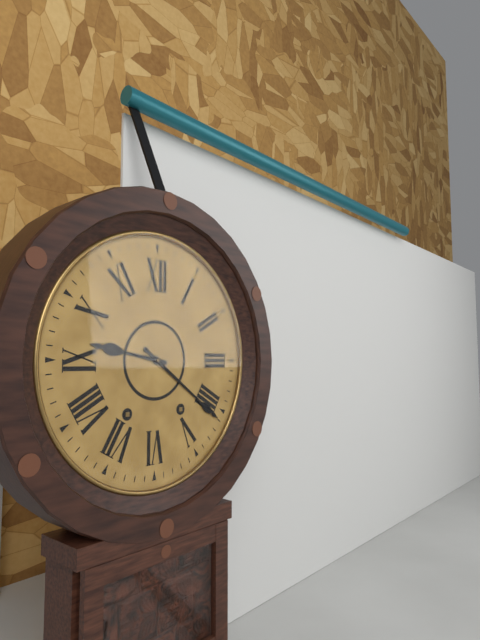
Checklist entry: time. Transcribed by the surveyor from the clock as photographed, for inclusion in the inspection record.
9:21
